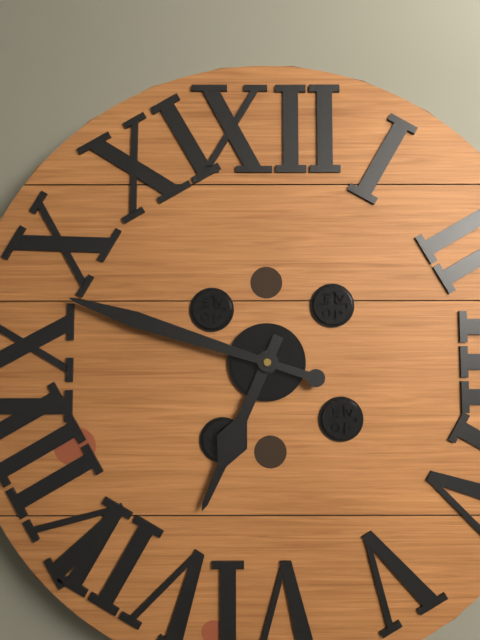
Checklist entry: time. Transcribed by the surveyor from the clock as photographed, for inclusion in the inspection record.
6:48
